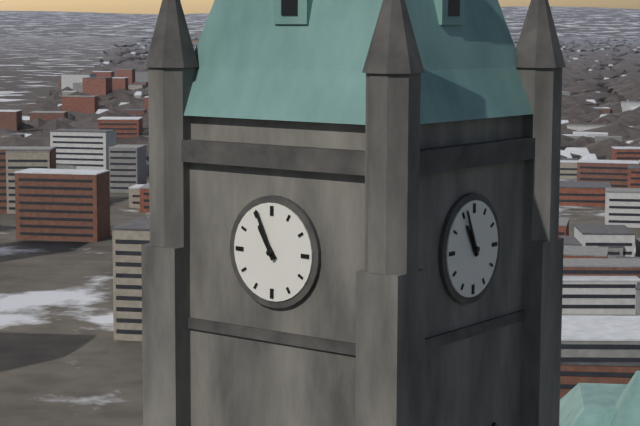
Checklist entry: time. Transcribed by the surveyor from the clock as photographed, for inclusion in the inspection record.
10:56
